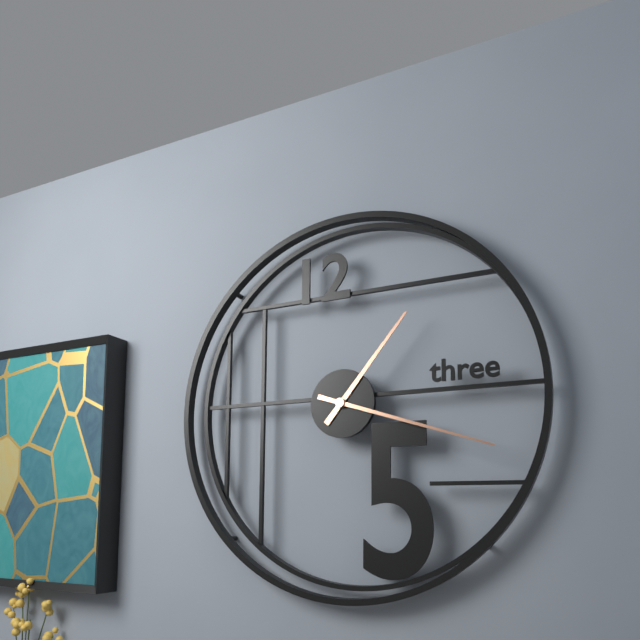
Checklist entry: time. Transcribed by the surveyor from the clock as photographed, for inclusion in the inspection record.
1:18
